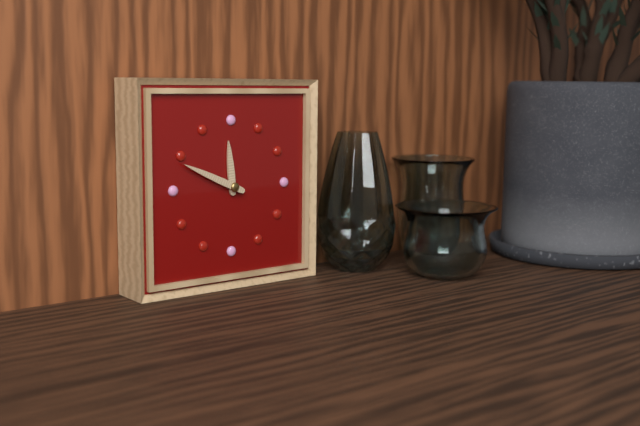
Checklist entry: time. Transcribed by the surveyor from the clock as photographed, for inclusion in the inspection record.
11:49
